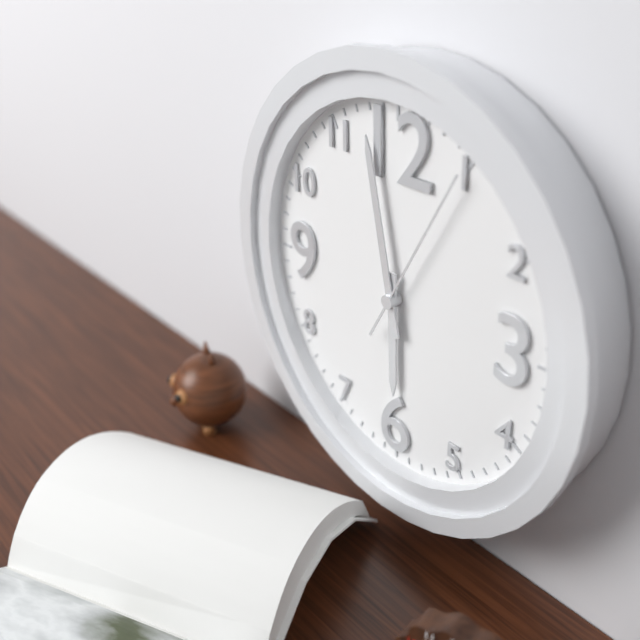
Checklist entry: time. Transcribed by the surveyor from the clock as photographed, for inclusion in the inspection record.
5:58:05
